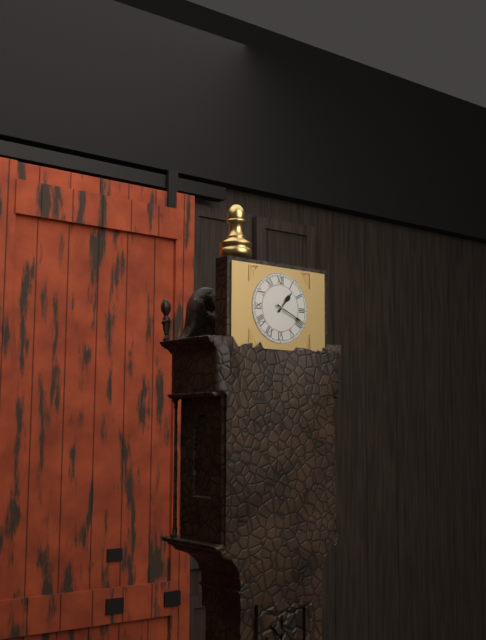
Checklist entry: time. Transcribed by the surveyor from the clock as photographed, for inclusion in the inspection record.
1:19
